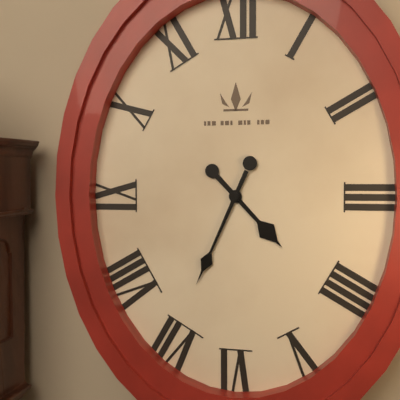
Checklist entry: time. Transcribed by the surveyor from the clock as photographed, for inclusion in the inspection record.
4:34
